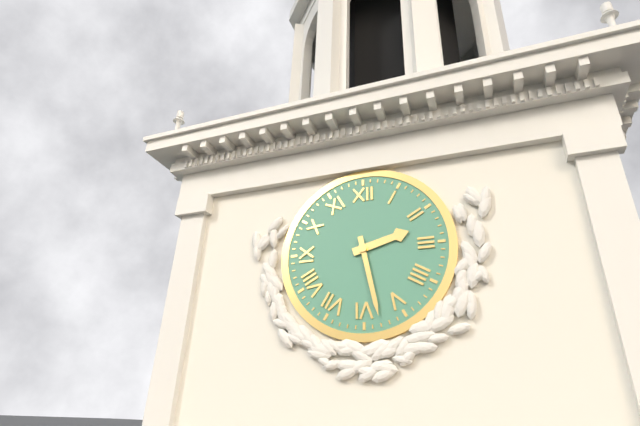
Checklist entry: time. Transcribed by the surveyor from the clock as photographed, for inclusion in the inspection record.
2:28
